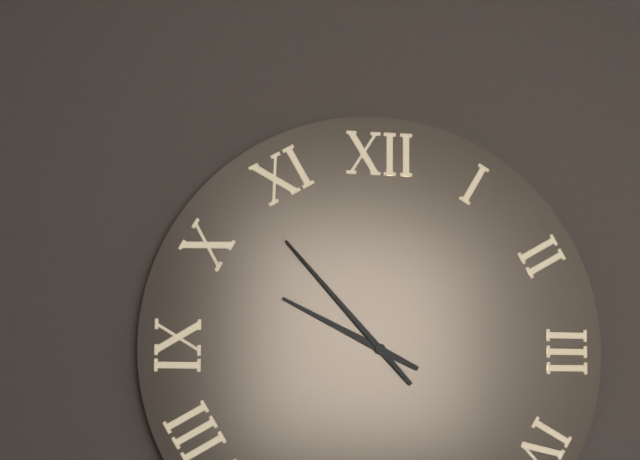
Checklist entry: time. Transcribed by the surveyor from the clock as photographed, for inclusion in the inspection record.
9:53
